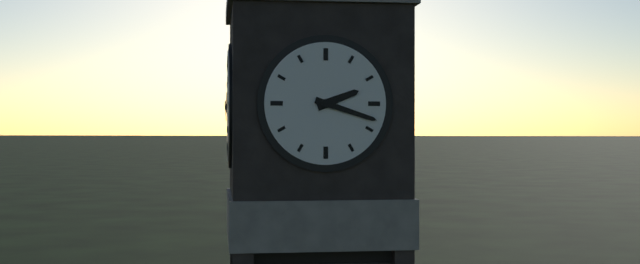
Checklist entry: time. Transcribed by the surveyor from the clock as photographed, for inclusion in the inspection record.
2:18
